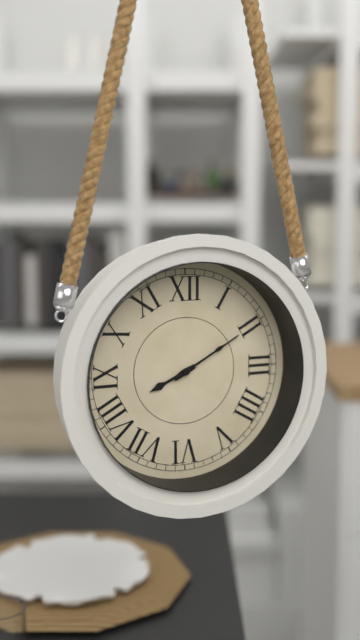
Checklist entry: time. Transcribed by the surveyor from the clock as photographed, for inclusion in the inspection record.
8:10
